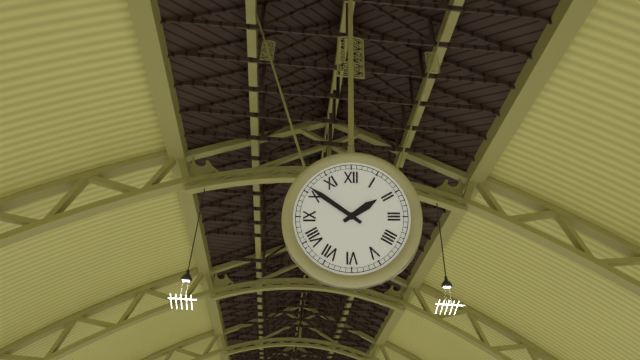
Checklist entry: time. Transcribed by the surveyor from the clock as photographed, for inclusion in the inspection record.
1:51
